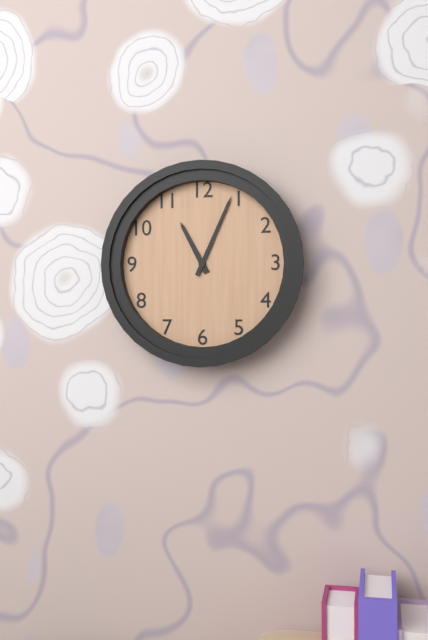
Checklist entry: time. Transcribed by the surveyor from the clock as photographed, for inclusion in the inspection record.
11:04
